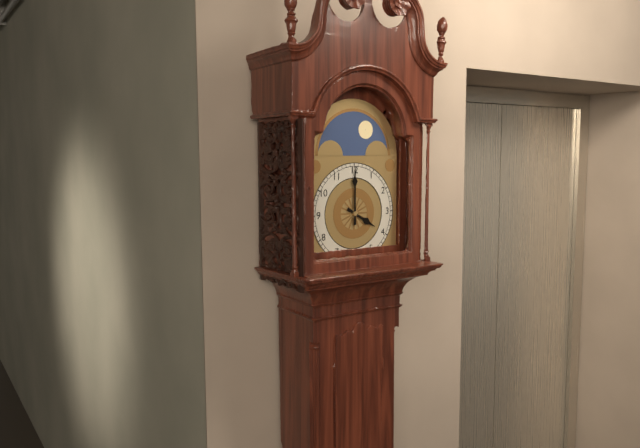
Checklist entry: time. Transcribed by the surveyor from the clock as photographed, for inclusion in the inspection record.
4:00
